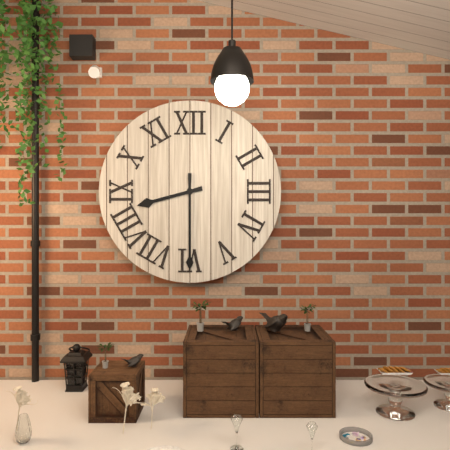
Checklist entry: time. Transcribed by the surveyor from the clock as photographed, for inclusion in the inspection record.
8:30
